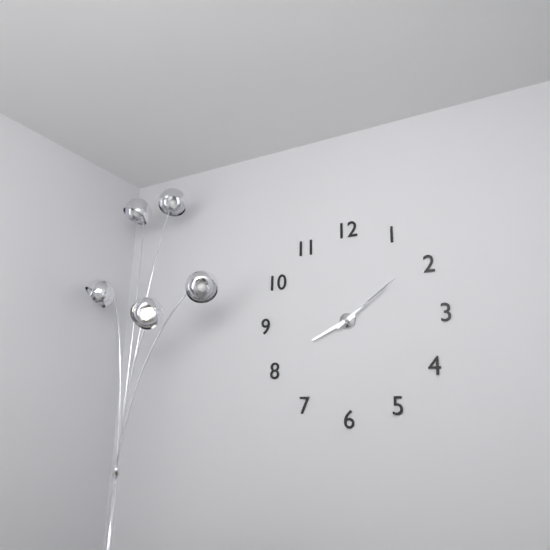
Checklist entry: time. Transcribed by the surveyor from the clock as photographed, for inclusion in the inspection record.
8:09
